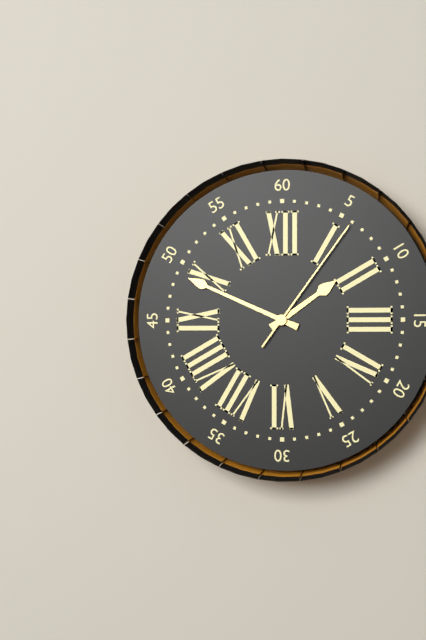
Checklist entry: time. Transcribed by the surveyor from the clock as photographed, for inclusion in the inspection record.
1:49:06
